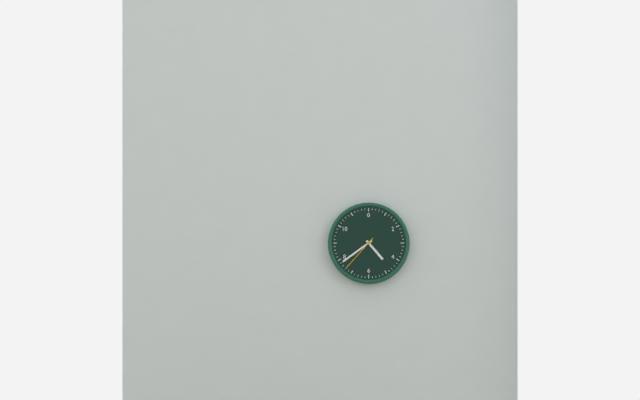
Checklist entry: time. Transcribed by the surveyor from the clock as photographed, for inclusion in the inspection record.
4:39
